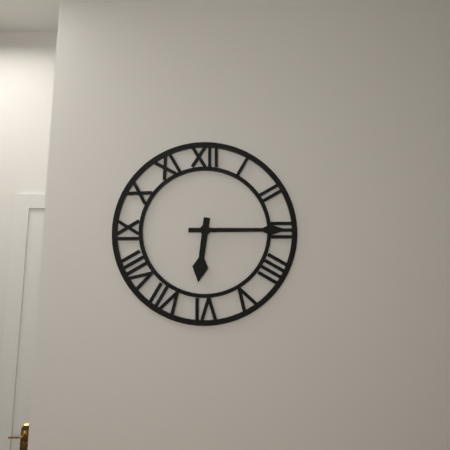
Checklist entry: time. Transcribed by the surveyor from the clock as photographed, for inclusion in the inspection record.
6:15
